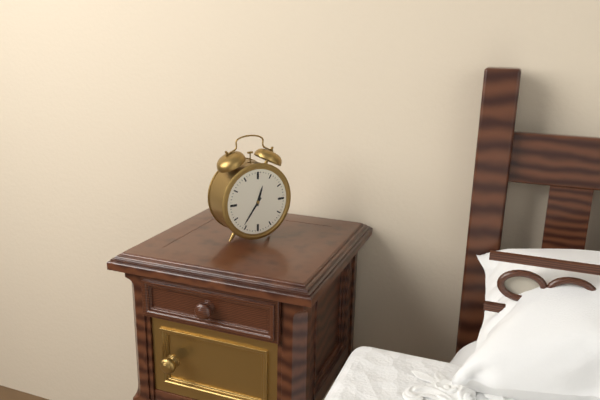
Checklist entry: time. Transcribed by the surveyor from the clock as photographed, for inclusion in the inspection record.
12:36
